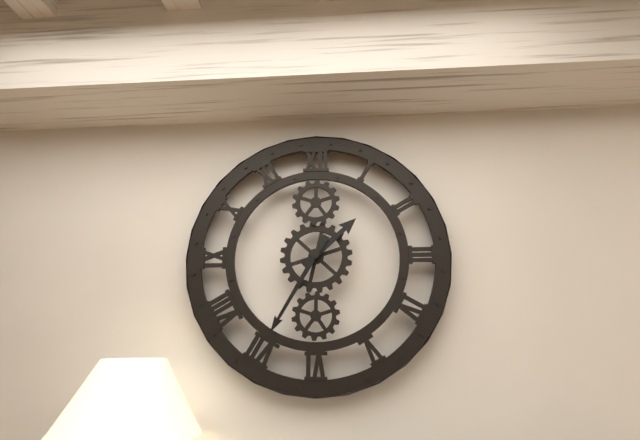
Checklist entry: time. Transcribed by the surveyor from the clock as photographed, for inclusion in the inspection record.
1:35
